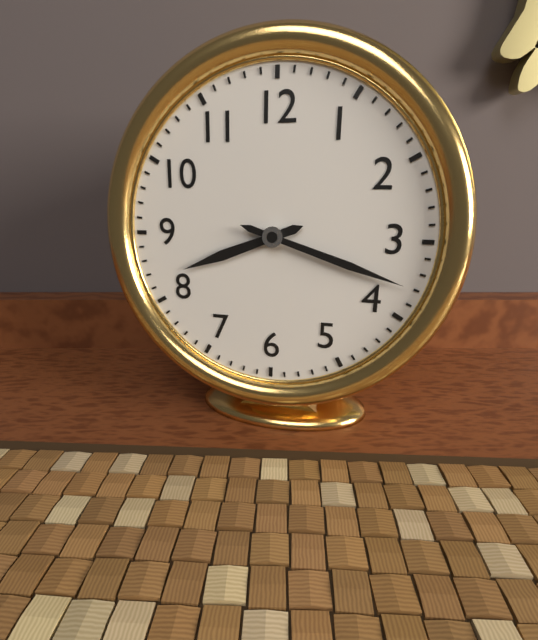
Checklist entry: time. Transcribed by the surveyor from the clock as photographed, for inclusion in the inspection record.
8:18
